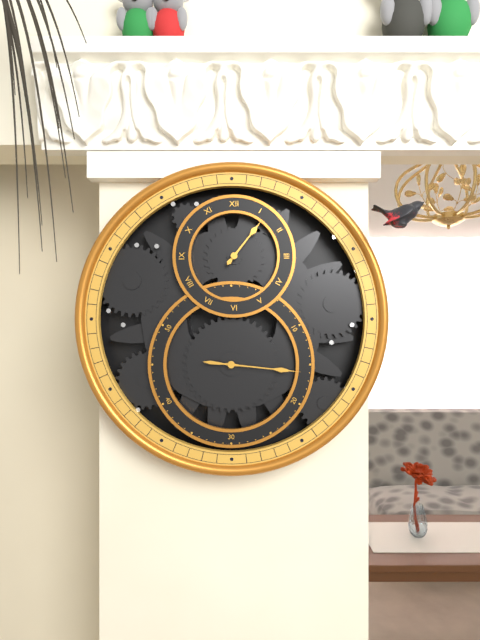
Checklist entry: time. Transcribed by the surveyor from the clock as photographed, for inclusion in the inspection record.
1:16
